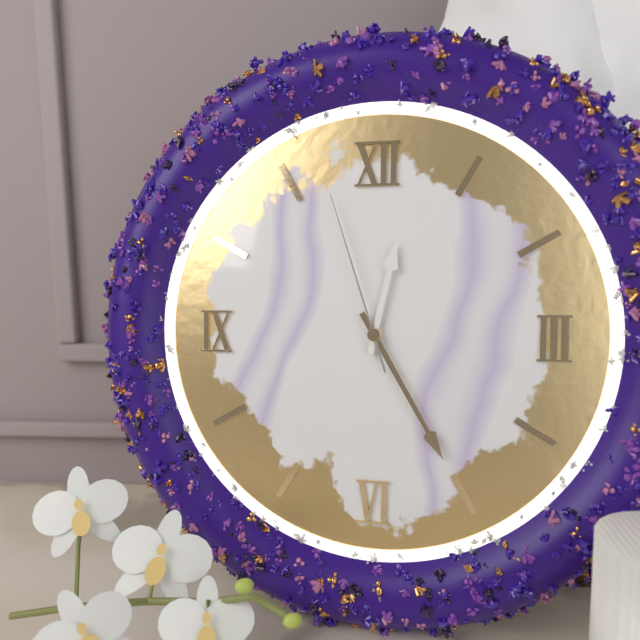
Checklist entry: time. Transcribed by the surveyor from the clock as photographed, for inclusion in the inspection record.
12:25:57
